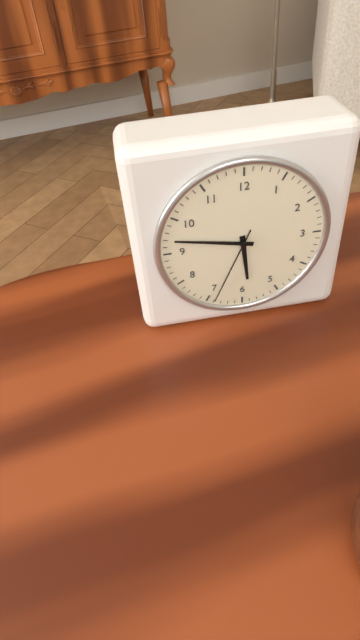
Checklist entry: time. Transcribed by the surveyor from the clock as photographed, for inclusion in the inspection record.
5:47:34
